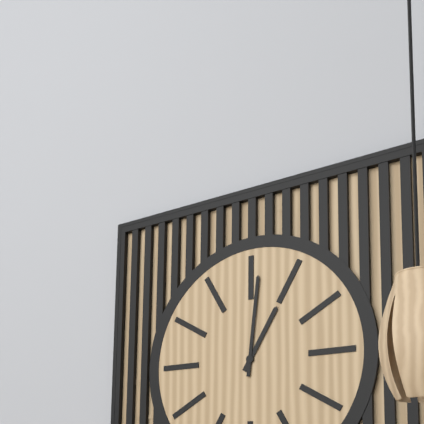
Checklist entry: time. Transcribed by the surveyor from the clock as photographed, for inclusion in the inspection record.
1:01
